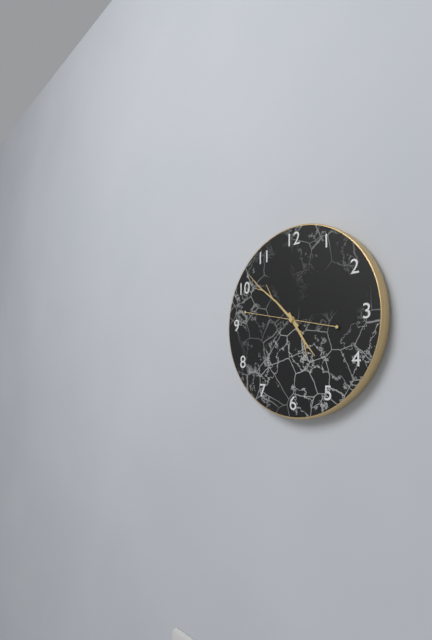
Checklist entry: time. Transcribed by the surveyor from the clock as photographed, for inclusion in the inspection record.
4:52:47
